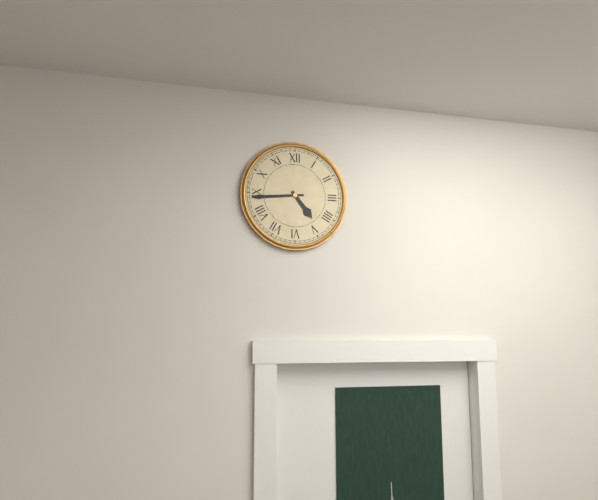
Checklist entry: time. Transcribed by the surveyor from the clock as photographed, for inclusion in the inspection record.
4:44
